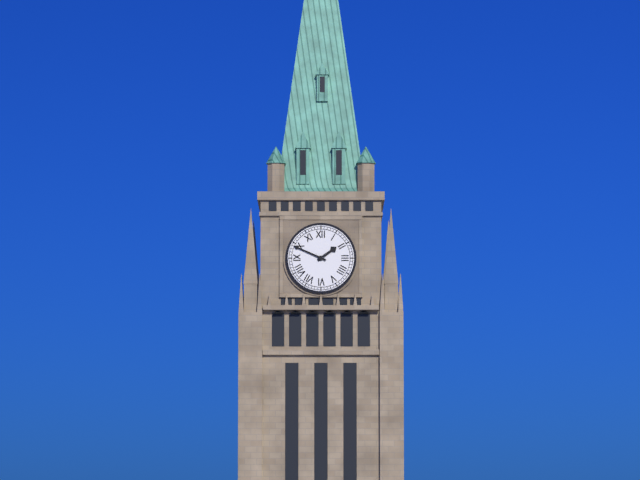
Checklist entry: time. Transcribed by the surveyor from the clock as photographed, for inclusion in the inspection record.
1:49
